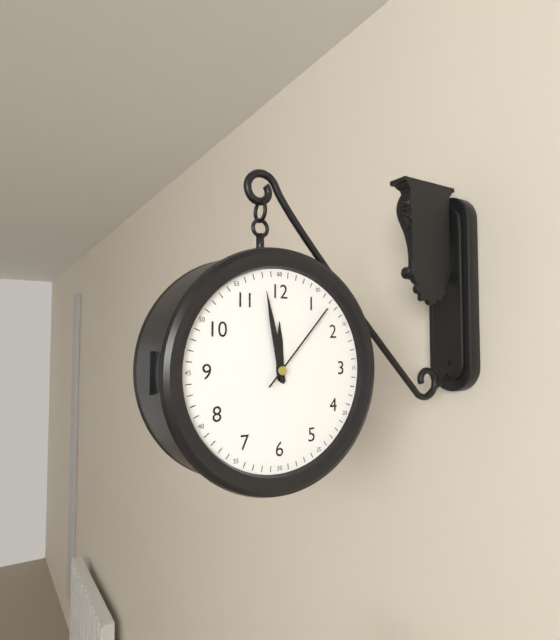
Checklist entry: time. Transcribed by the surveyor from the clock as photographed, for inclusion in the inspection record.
11:58:07
